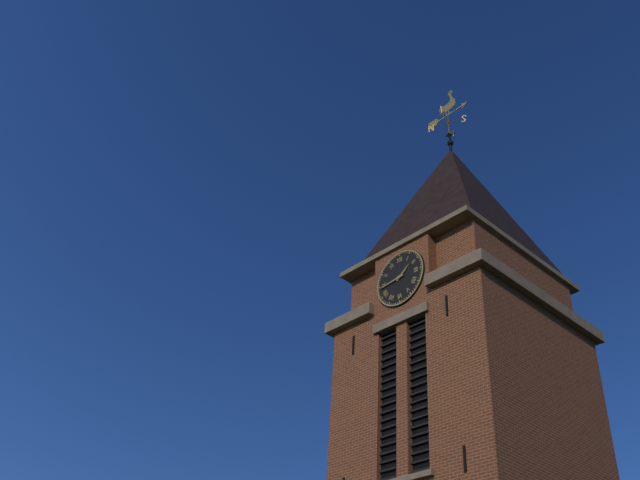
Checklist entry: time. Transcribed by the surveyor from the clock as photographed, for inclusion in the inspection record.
1:44
